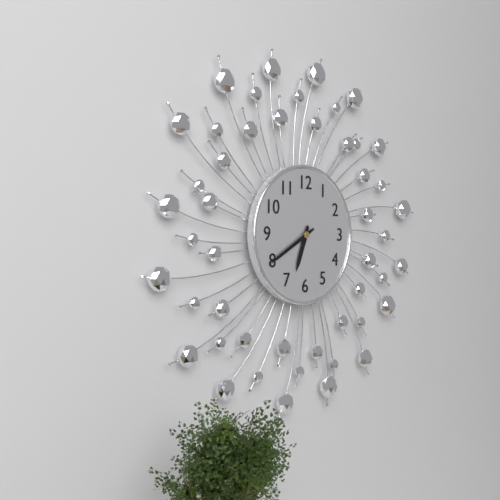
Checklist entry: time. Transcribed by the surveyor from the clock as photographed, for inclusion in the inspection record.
6:40
